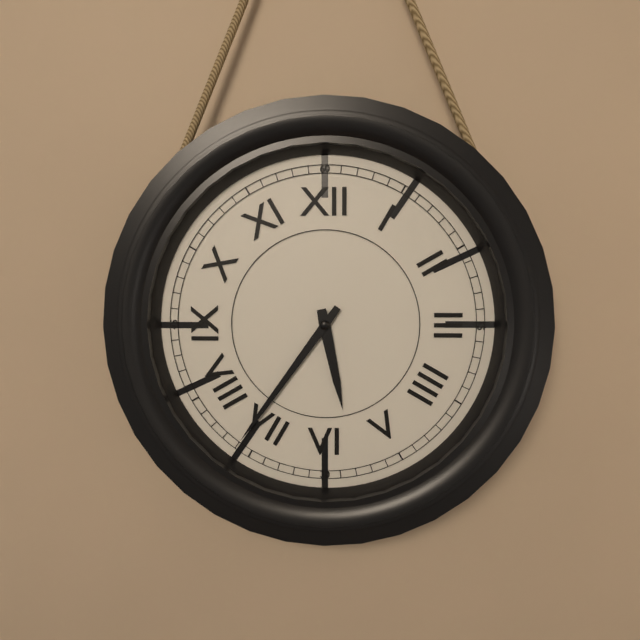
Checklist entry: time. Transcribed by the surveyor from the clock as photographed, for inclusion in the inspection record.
5:36
